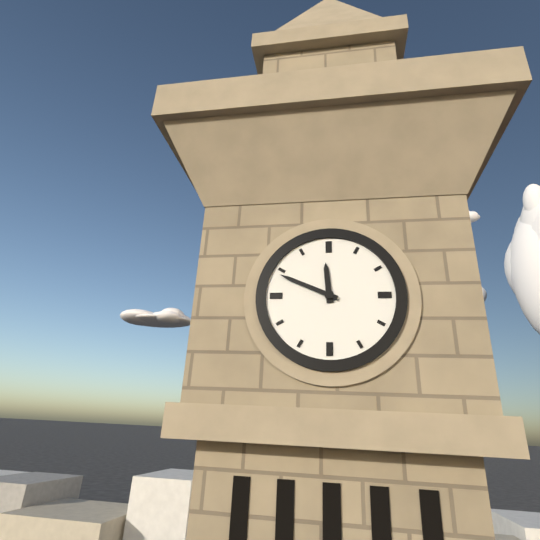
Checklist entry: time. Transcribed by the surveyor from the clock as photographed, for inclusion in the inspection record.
11:49
